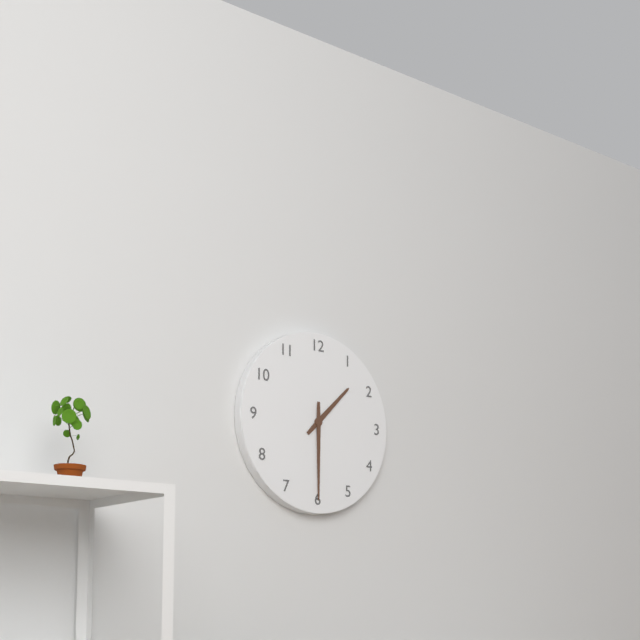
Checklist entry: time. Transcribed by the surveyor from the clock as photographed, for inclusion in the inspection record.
1:30
